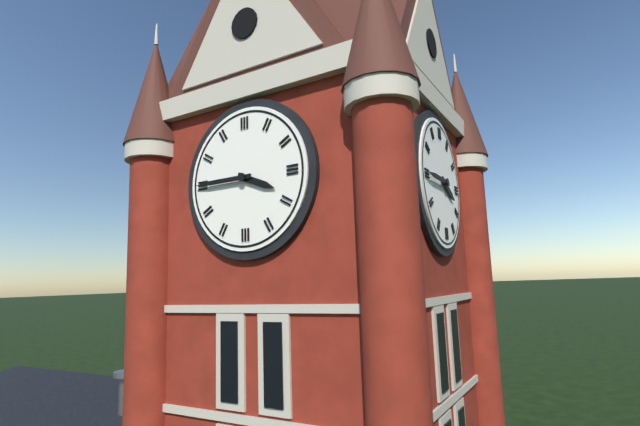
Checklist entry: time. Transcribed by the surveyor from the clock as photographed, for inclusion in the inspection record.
3:45
